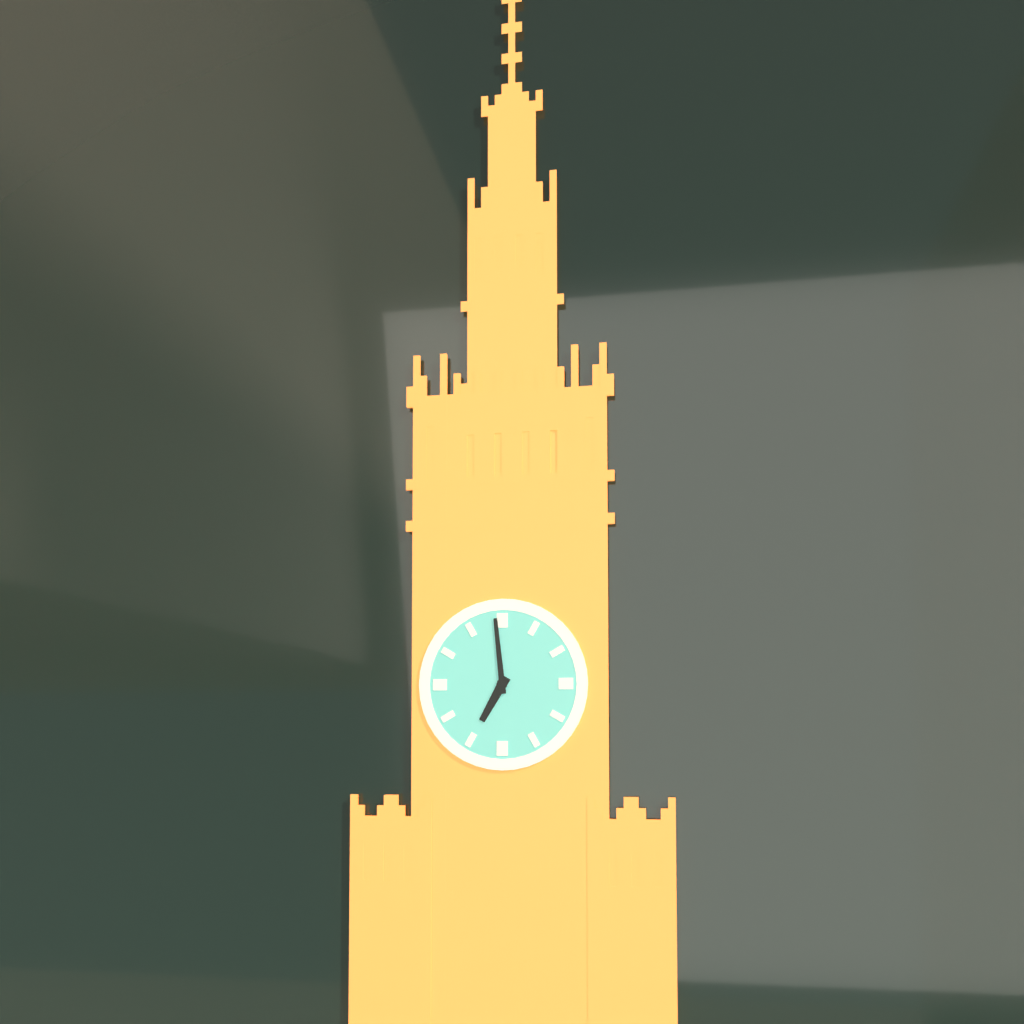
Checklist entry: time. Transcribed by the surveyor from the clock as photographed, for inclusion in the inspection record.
6:59
